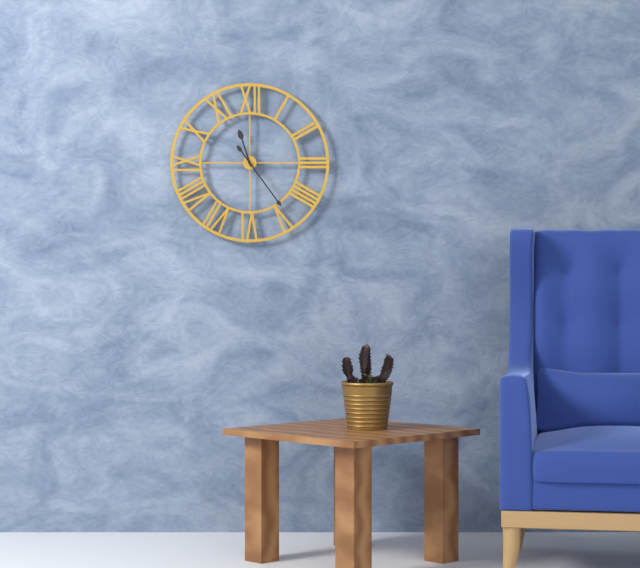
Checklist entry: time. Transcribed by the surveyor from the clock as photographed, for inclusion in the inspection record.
11:24
